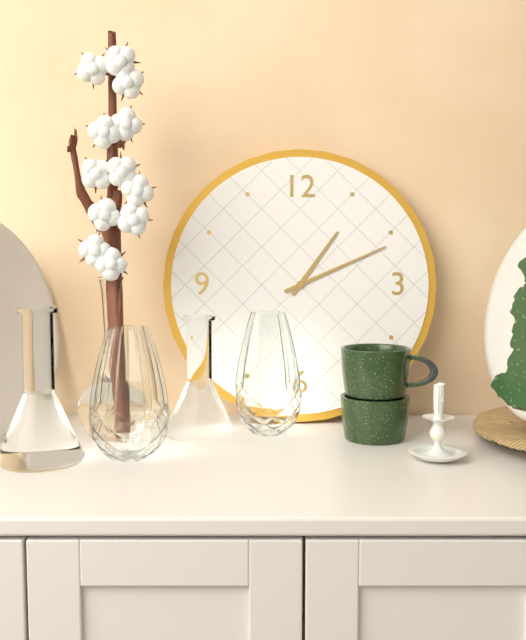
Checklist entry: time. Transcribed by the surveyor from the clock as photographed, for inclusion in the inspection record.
1:11
